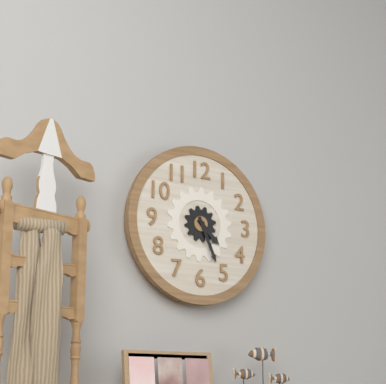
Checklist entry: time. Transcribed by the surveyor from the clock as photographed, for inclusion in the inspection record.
4:26
